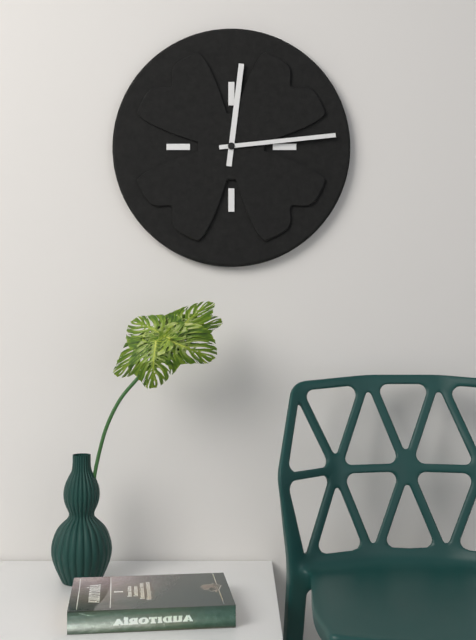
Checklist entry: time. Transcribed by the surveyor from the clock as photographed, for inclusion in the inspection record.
12:14
